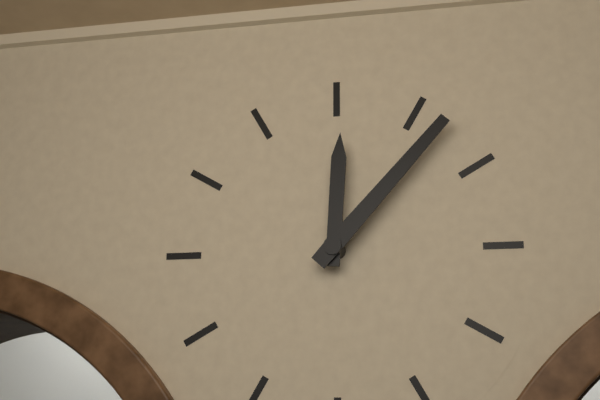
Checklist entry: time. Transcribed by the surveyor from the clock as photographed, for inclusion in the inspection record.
12:07
